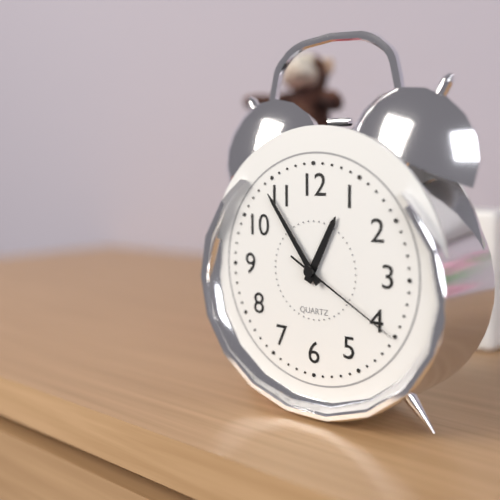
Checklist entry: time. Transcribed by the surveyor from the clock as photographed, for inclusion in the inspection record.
12:54:20
